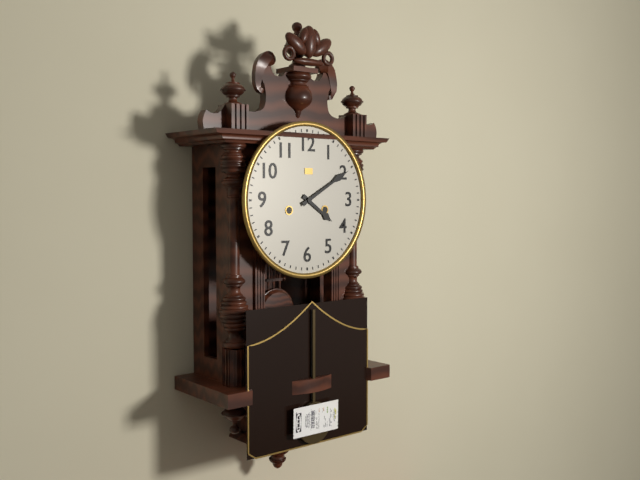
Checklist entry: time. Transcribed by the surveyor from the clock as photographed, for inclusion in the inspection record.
4:10
